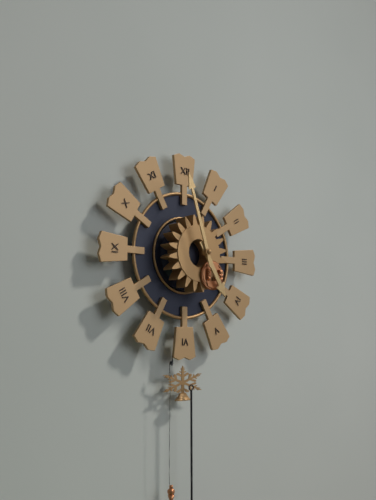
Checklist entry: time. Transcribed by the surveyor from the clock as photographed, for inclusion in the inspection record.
4:57
